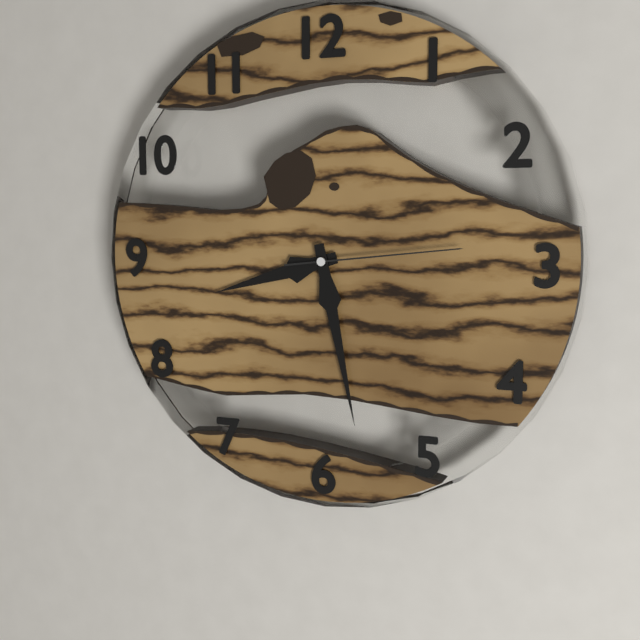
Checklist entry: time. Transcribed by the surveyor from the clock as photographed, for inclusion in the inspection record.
8:28:14
